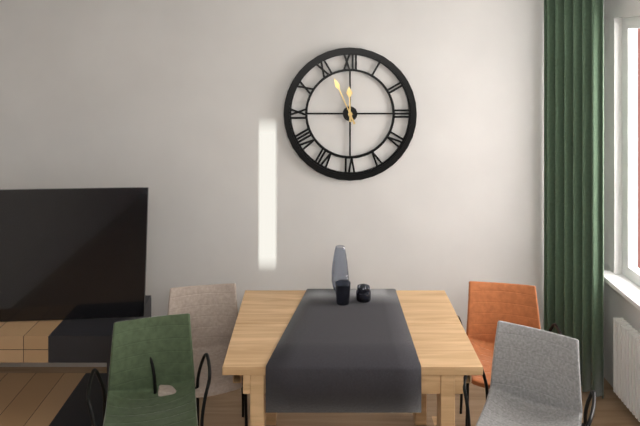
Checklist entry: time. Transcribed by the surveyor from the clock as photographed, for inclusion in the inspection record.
11:56
